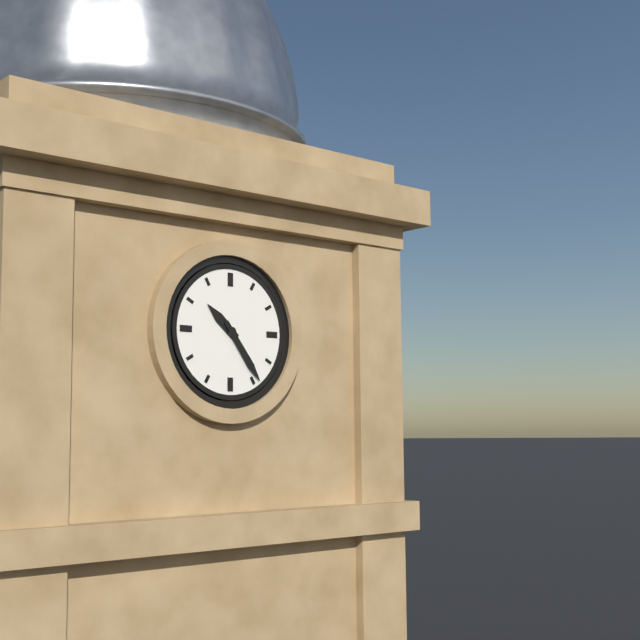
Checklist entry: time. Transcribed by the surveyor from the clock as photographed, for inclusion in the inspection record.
10:24
